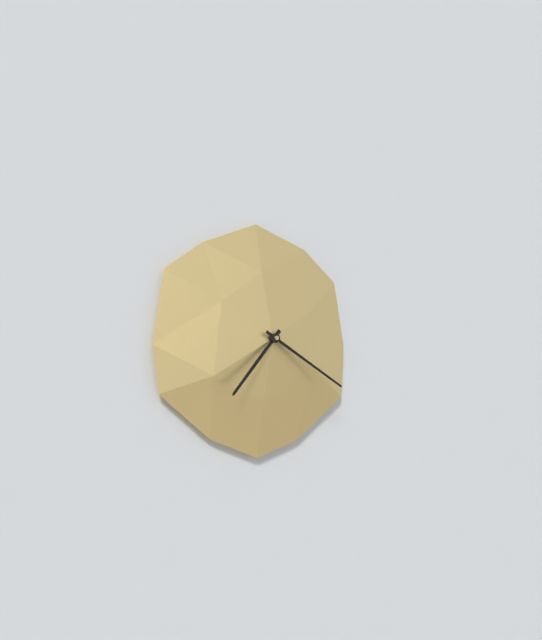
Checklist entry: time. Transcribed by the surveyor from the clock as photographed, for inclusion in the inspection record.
7:20
